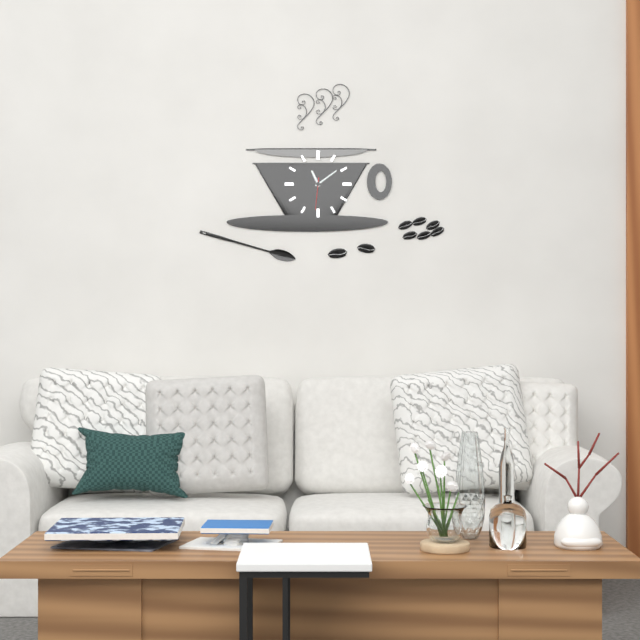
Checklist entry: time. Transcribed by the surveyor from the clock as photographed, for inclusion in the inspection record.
11:09
